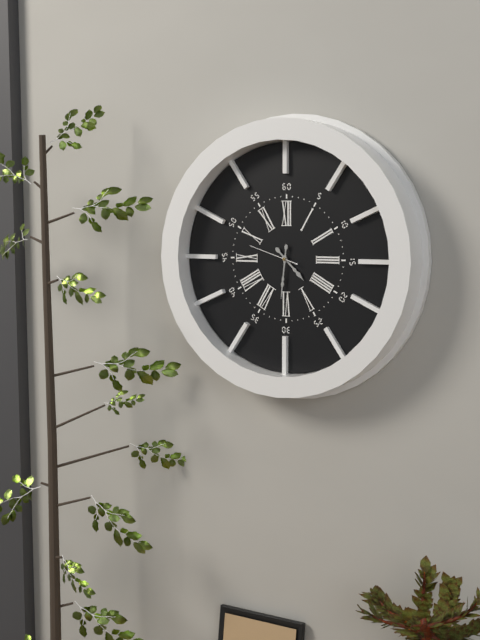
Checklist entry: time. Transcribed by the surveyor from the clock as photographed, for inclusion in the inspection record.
4:31
